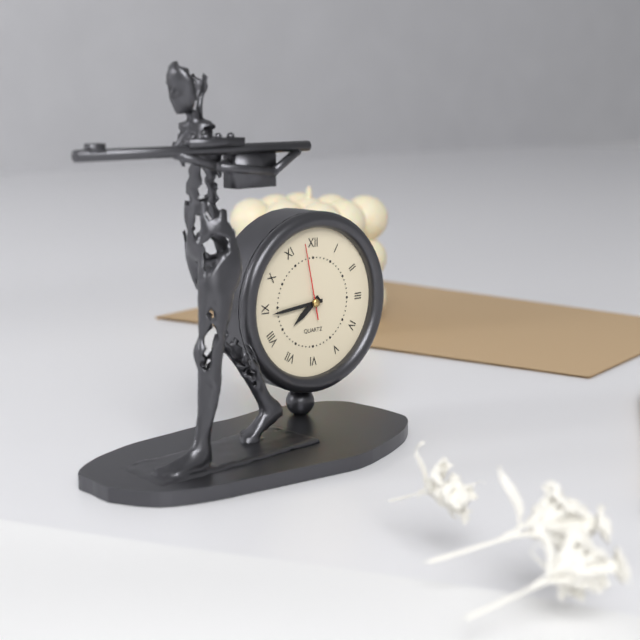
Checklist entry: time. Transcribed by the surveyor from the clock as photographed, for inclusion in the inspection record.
7:44:58
